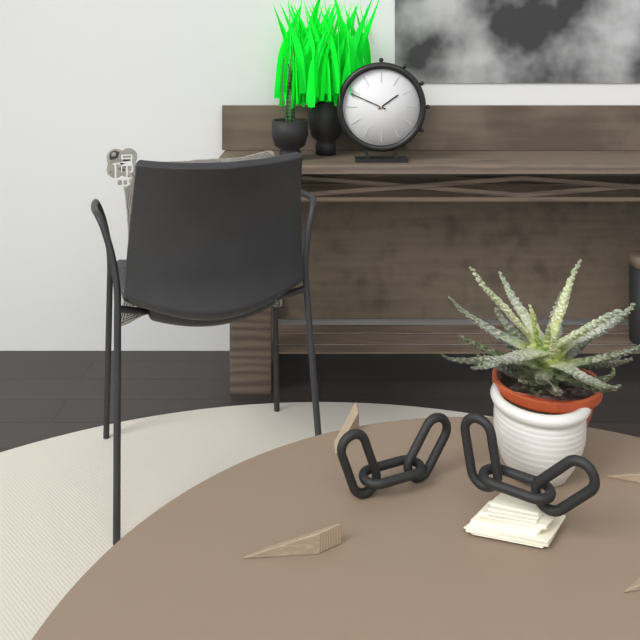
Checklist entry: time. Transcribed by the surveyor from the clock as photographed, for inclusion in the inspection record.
1:49
